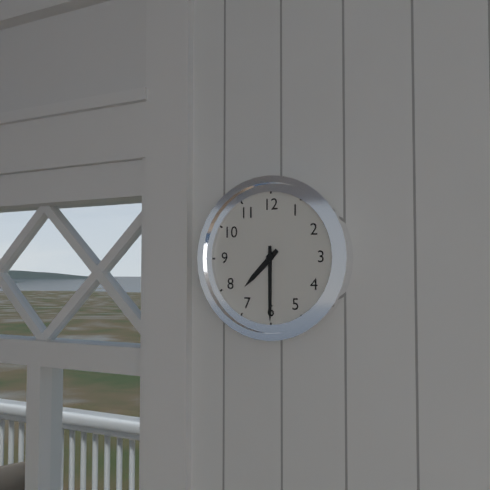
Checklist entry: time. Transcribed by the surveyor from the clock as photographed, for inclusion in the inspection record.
7:30
